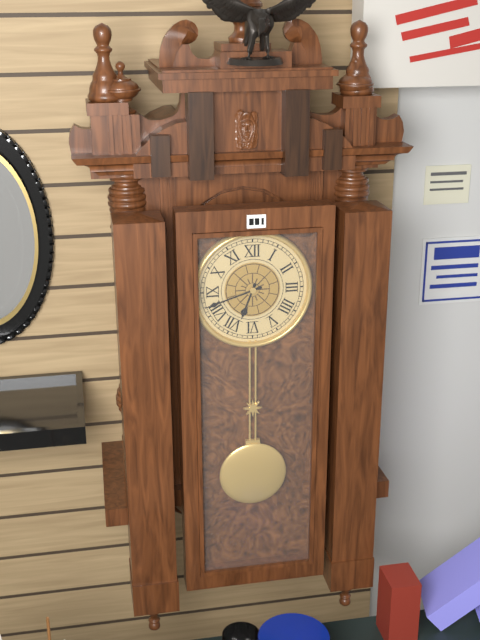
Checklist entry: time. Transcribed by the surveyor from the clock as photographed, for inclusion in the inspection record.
6:42
